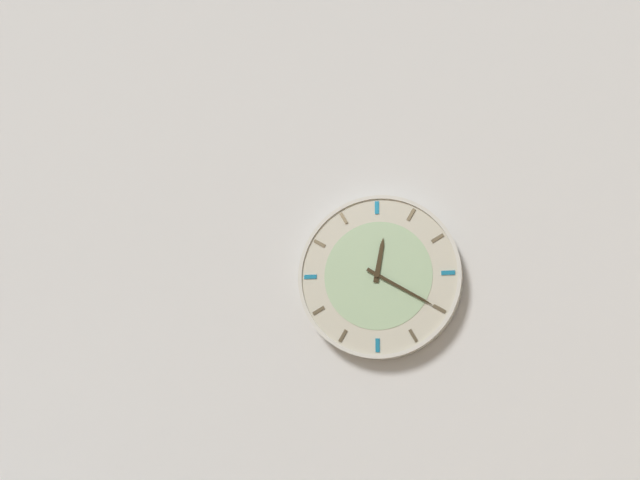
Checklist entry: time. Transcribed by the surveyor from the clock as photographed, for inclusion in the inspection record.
12:20
